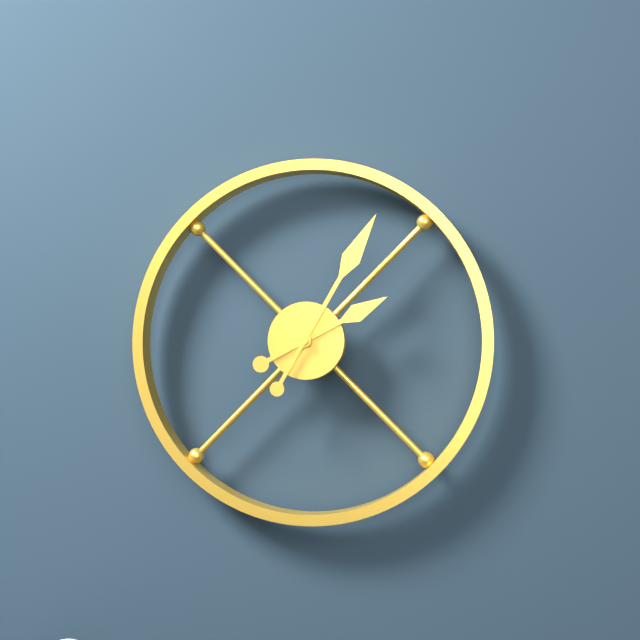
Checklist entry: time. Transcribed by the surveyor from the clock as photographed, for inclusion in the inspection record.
2:05
